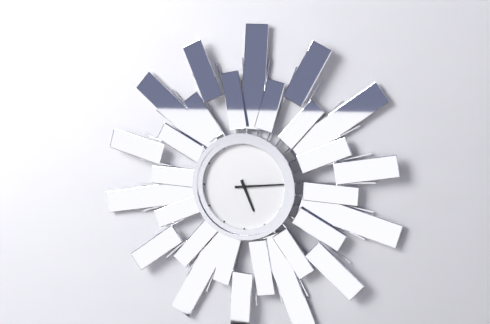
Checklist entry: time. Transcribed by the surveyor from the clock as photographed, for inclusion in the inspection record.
5:14
